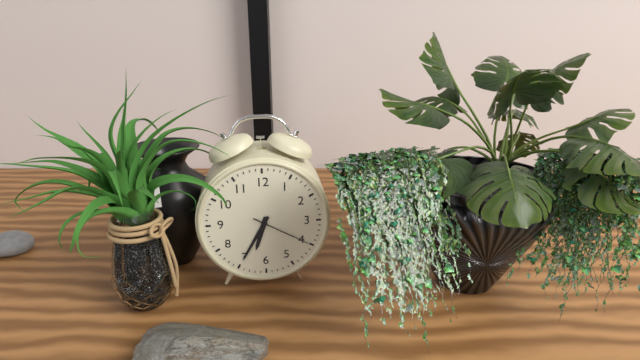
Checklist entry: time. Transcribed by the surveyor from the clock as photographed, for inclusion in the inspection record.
6:35:20
